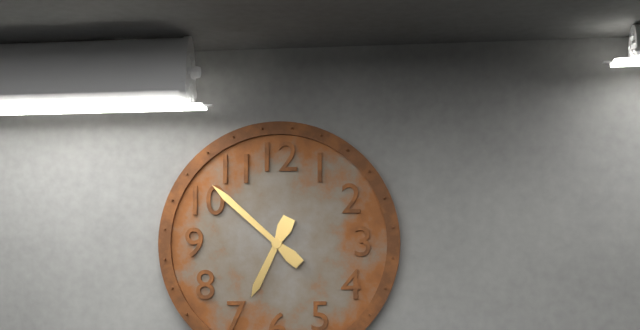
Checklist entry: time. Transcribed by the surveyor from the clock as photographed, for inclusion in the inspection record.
6:52
